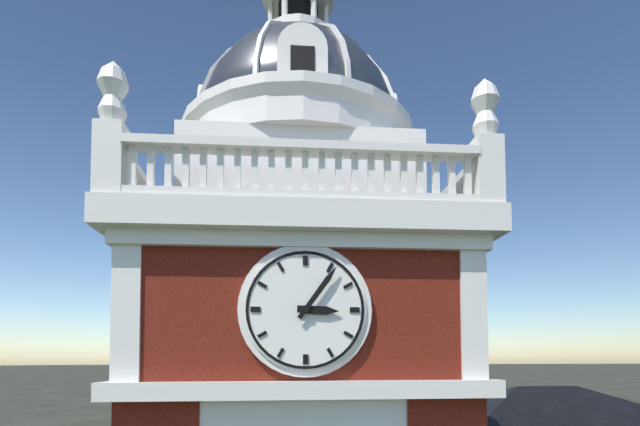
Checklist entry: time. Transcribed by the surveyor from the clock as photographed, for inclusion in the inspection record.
3:06
